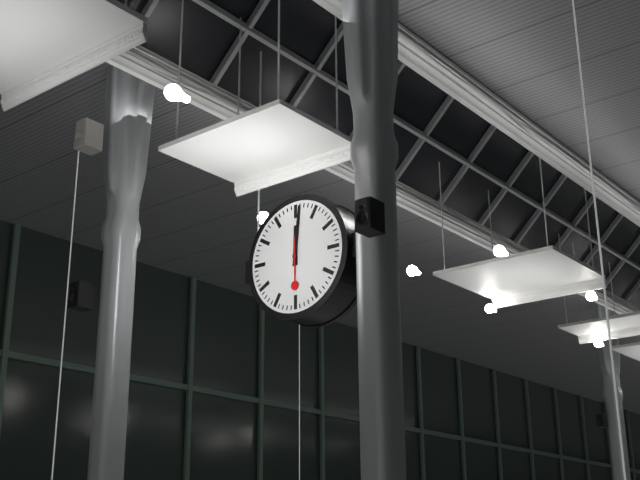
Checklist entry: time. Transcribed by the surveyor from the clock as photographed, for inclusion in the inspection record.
12:01
